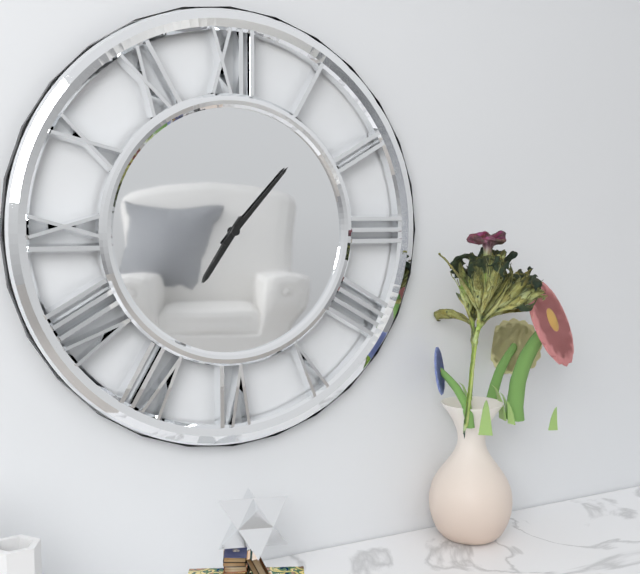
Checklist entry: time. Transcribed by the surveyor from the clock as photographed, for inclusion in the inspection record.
7:07
